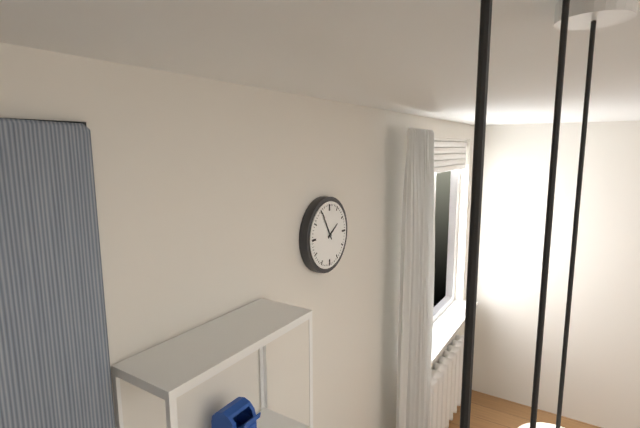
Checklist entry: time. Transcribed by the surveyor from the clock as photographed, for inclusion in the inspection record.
1:55
